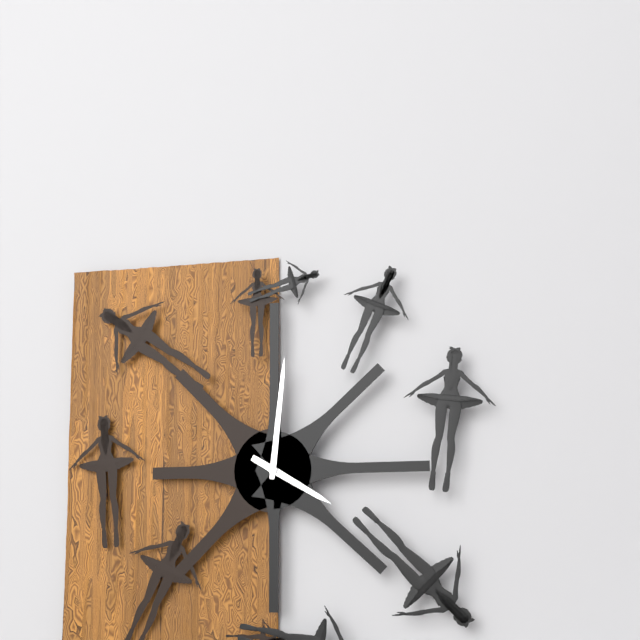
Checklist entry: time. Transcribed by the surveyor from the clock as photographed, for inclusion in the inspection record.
4:01
